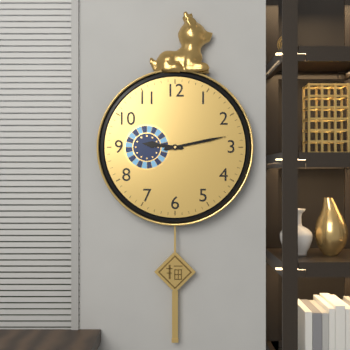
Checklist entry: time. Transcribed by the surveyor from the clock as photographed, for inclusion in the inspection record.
9:13
